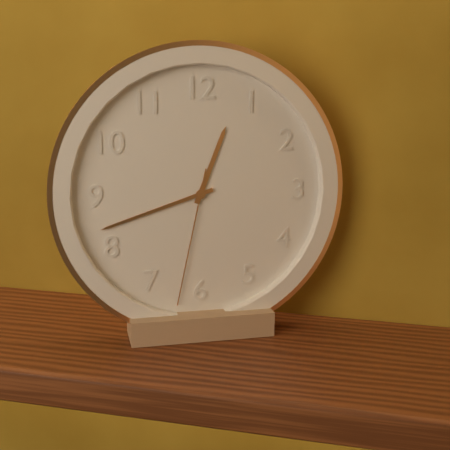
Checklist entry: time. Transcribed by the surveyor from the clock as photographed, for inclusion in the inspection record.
12:42:32
